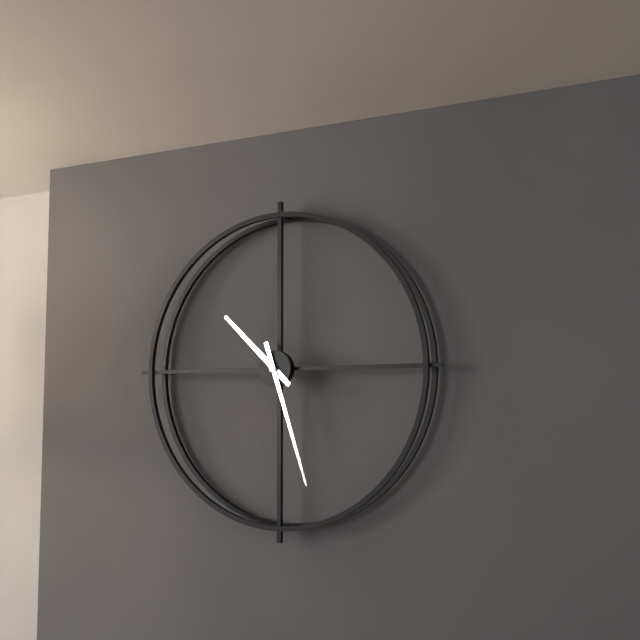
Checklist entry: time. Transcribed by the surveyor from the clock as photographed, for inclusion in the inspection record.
10:27
